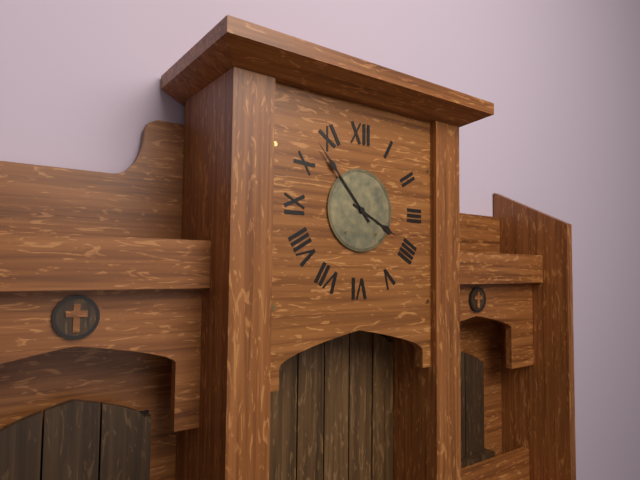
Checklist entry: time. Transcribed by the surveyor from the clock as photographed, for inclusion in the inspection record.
3:53
